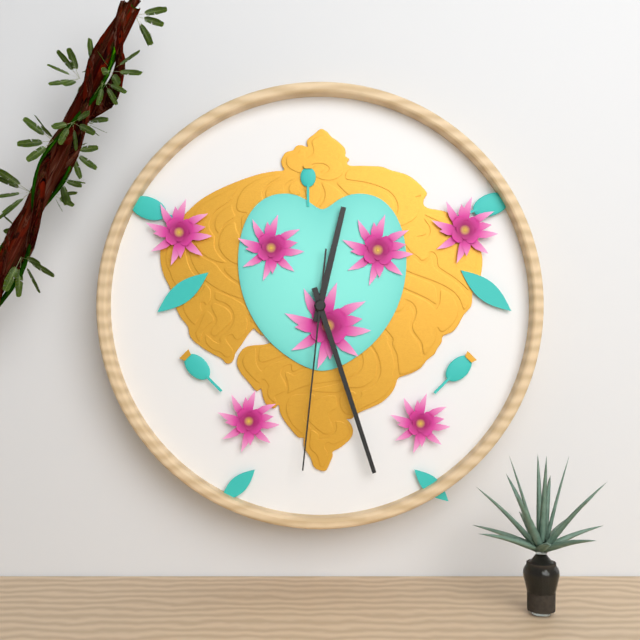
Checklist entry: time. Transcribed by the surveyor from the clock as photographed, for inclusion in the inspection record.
12:27:31
